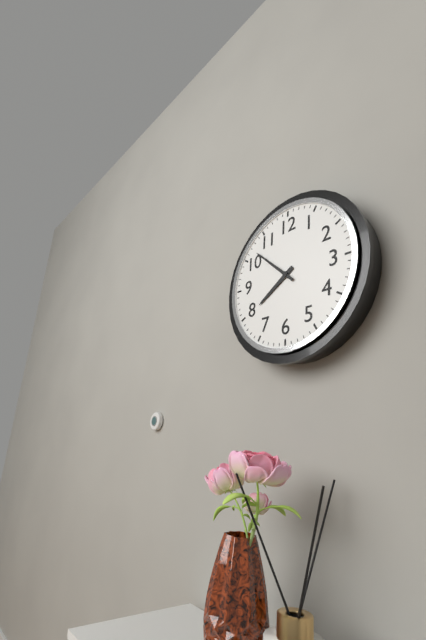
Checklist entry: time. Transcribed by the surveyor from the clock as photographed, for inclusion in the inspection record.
7:52
